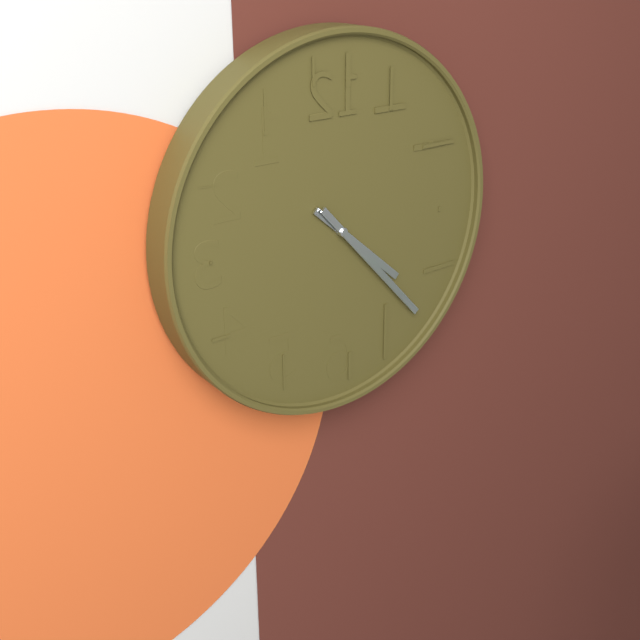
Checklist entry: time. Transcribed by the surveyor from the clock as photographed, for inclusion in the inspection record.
4:23
